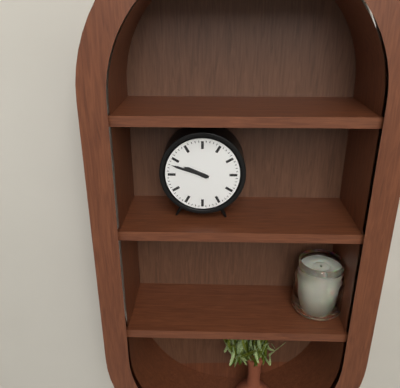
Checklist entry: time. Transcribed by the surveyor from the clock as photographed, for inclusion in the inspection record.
9:48
